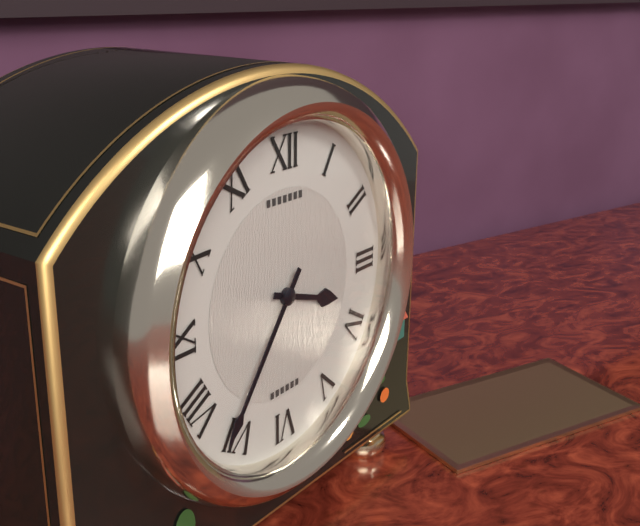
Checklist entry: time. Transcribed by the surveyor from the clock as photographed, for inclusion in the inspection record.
3:36
